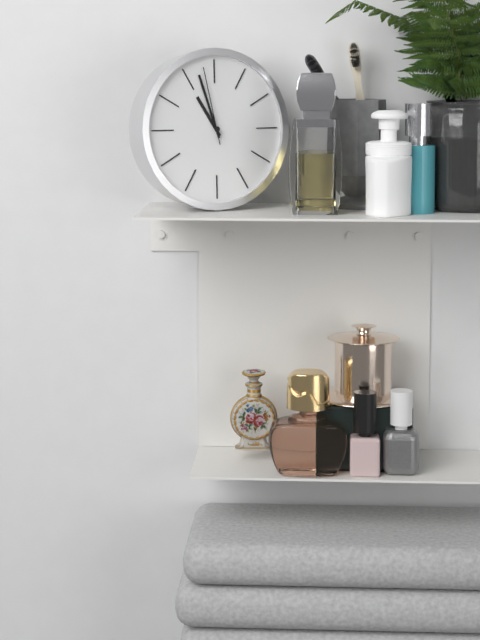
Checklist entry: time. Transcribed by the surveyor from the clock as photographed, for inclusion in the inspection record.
10:57:58
